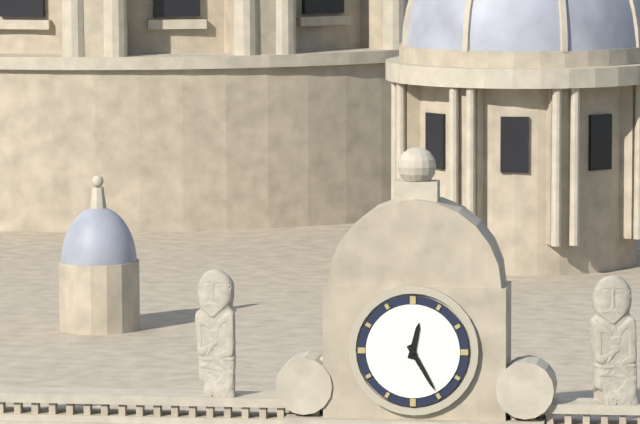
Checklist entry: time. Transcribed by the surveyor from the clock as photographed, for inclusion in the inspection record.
12:25
